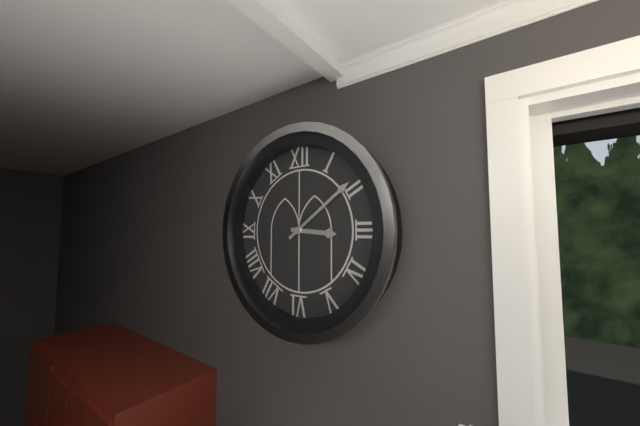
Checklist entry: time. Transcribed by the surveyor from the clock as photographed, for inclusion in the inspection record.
3:09
